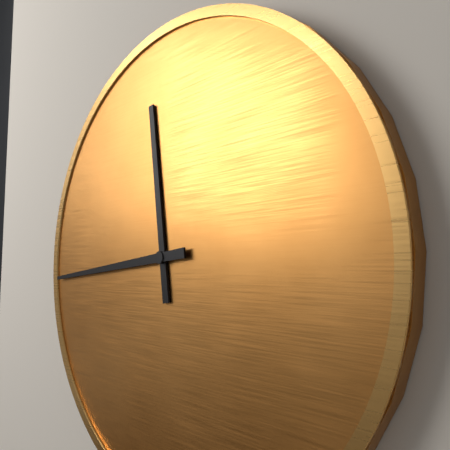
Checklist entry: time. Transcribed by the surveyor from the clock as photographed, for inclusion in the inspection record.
11:44
